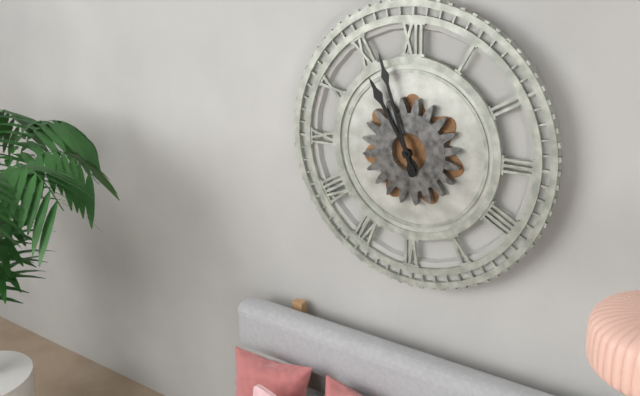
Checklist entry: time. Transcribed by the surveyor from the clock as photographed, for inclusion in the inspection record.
10:57
